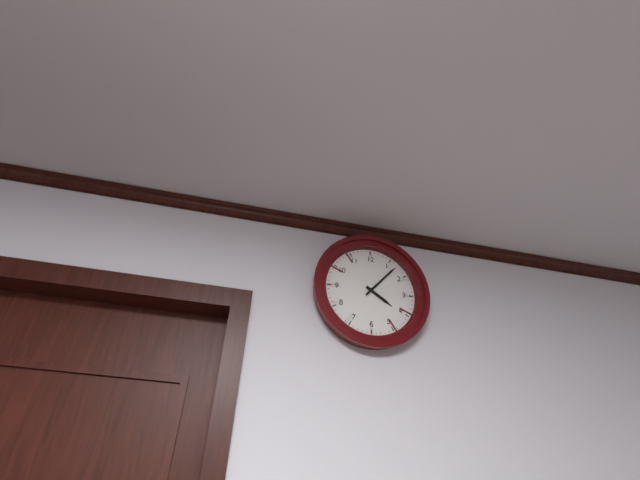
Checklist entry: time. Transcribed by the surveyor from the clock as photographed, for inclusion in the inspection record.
4:07
